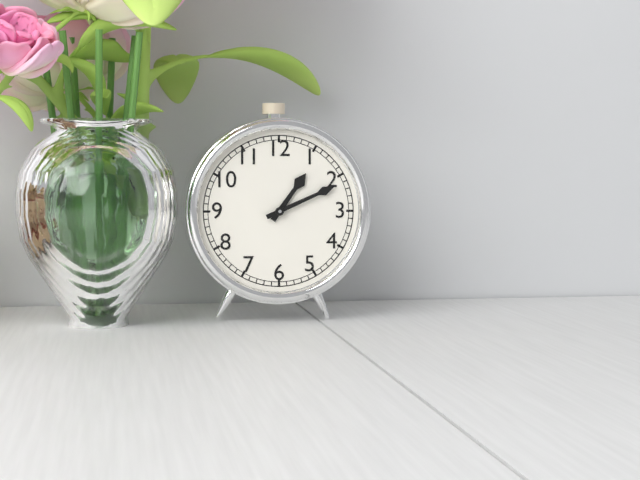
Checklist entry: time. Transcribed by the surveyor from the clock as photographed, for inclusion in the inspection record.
1:11
